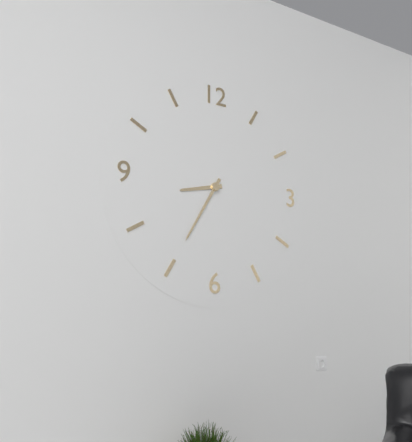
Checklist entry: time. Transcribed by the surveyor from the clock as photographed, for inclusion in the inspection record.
8:35
